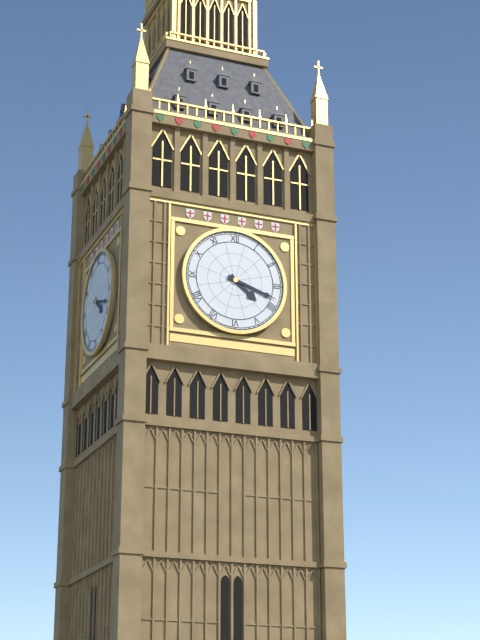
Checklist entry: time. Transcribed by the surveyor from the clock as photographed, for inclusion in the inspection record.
4:18
